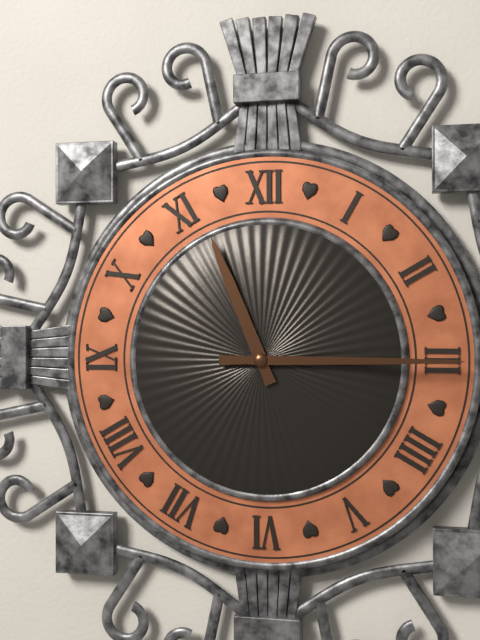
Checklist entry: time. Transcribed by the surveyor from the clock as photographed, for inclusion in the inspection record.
11:15
